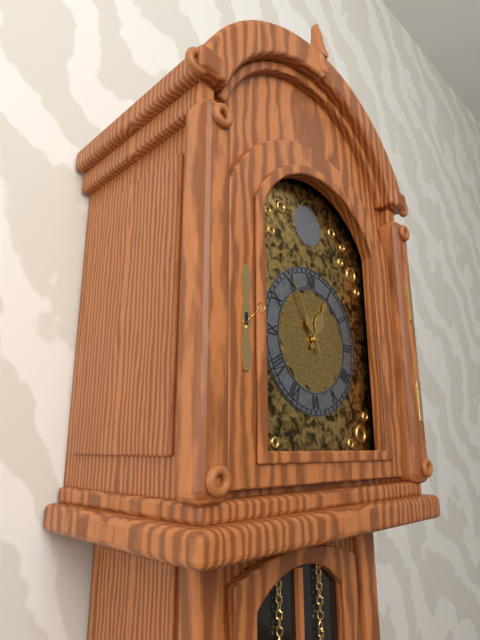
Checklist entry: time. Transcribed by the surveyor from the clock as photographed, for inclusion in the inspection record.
12:55
